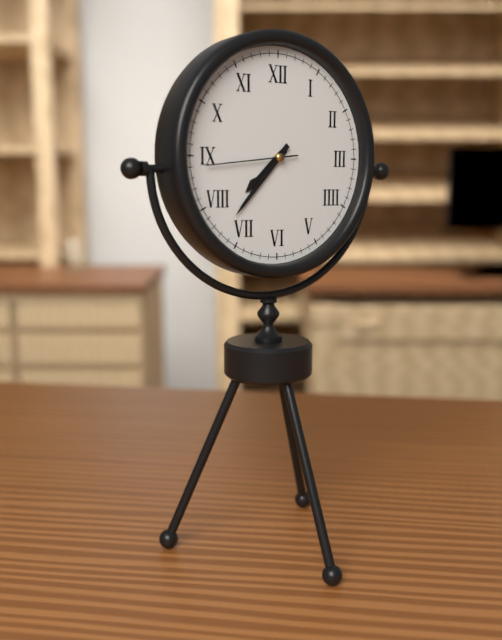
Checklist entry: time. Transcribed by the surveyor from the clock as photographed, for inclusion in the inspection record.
7:37:44
